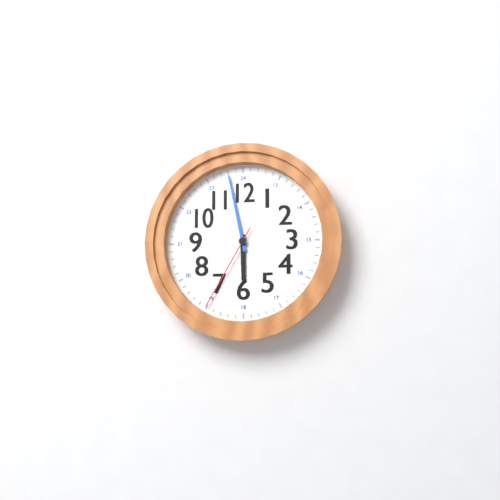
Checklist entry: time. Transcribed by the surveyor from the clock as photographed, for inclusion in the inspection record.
5:58:35
